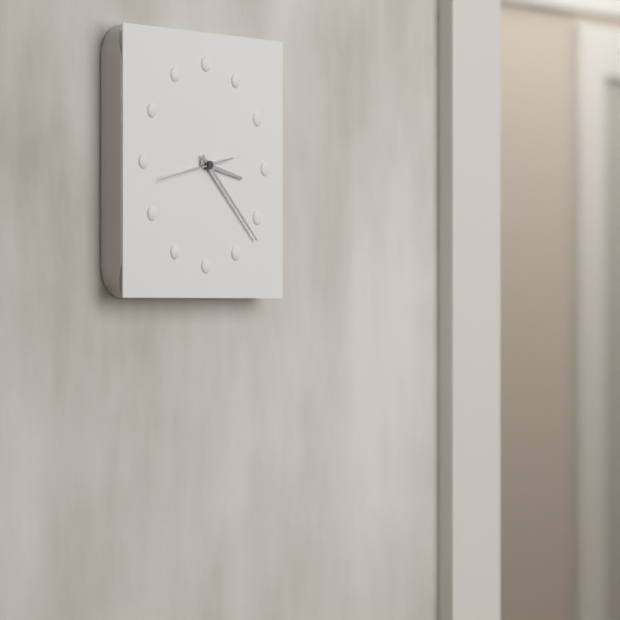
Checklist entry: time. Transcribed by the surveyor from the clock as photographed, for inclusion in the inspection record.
3:22:43
